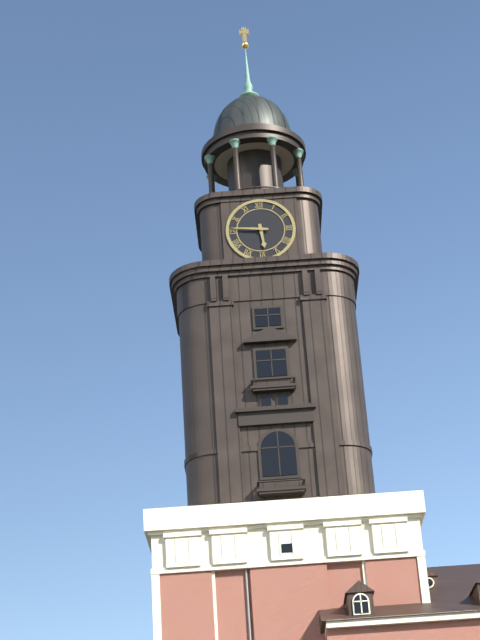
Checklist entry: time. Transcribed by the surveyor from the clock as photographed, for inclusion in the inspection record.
5:46
